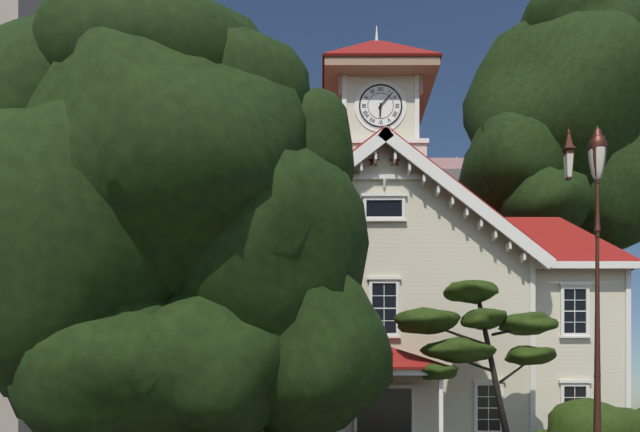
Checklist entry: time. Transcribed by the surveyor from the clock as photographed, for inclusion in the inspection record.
6:07
